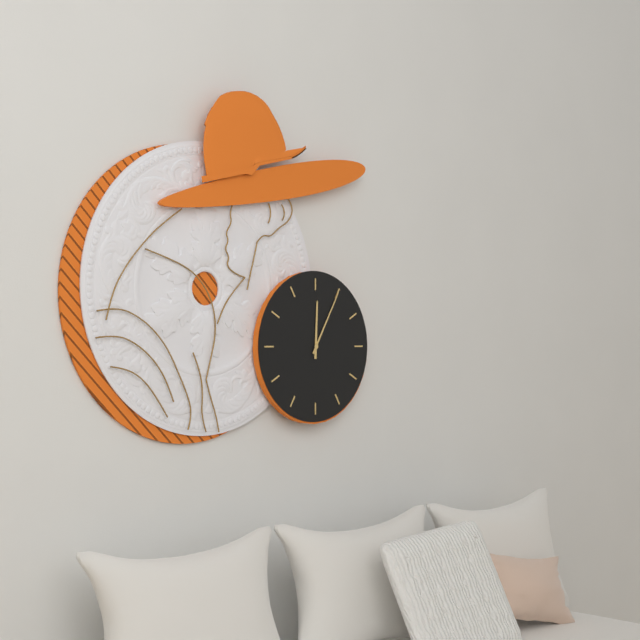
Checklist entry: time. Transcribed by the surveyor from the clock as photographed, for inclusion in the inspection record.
12:05
